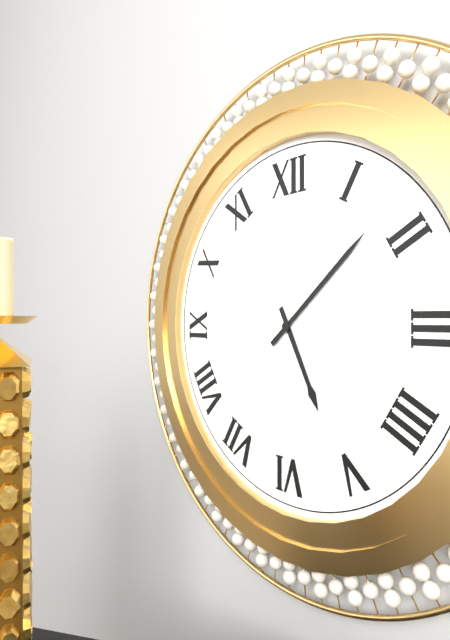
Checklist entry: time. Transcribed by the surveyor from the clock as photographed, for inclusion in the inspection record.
5:08
